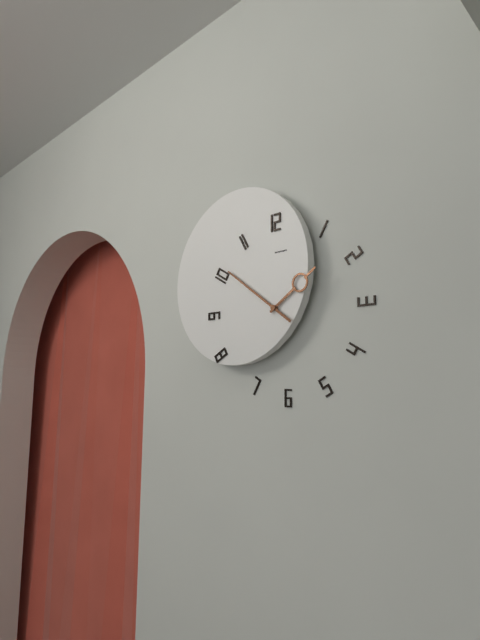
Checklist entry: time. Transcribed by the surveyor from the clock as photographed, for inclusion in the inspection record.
1:51
